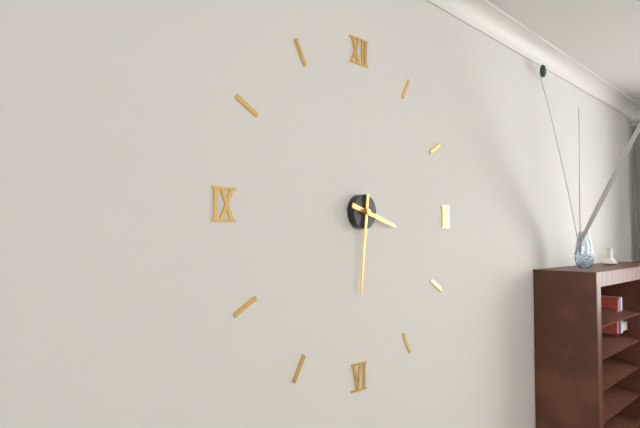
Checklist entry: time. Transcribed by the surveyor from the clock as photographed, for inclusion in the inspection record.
3:31
